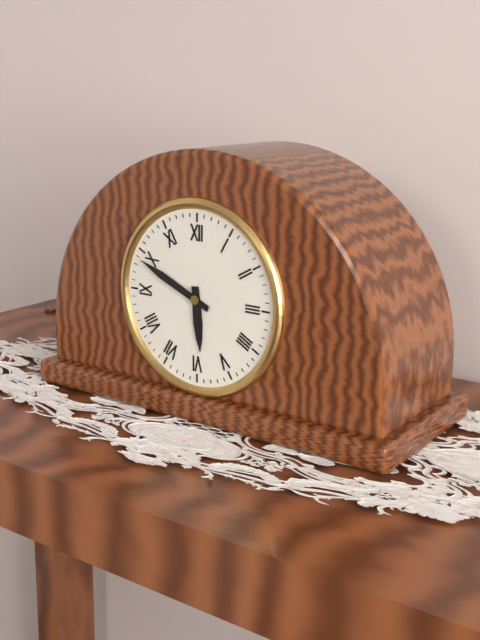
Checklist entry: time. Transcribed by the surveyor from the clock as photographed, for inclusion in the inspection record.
5:49
